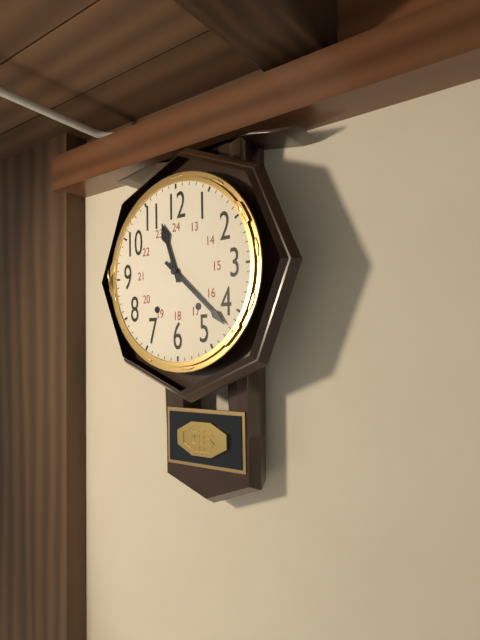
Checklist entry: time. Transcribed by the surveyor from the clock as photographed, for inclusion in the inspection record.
11:22
